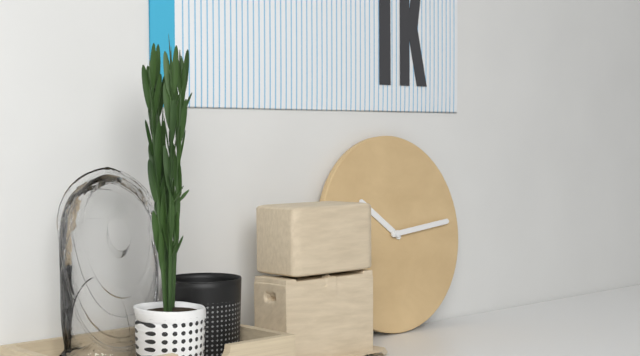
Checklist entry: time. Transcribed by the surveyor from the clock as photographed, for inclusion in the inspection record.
10:14
